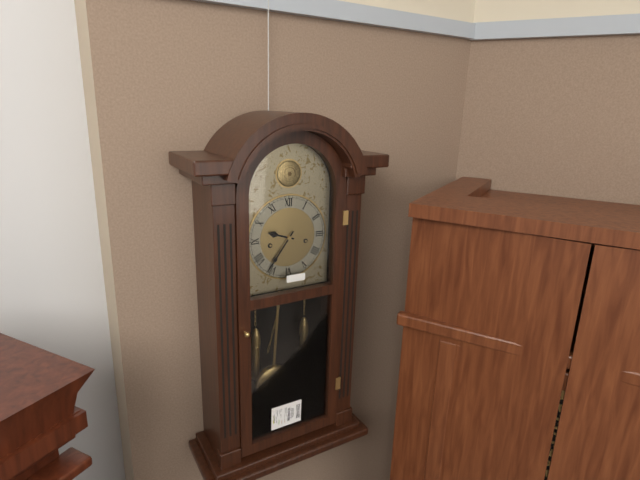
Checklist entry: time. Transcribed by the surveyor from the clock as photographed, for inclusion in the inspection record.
9:36
